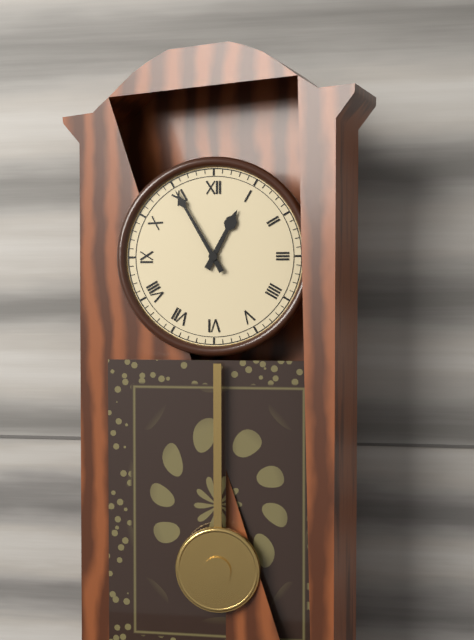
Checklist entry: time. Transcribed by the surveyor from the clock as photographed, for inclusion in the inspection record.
12:55
